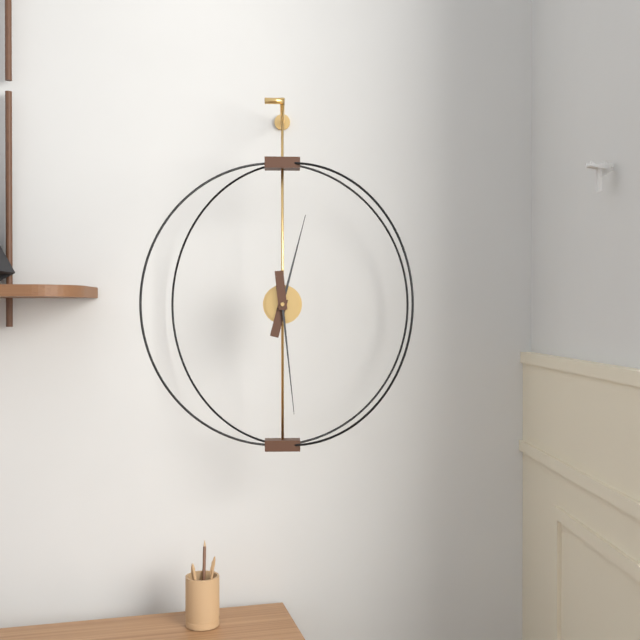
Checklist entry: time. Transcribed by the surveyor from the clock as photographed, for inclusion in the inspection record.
12:29
